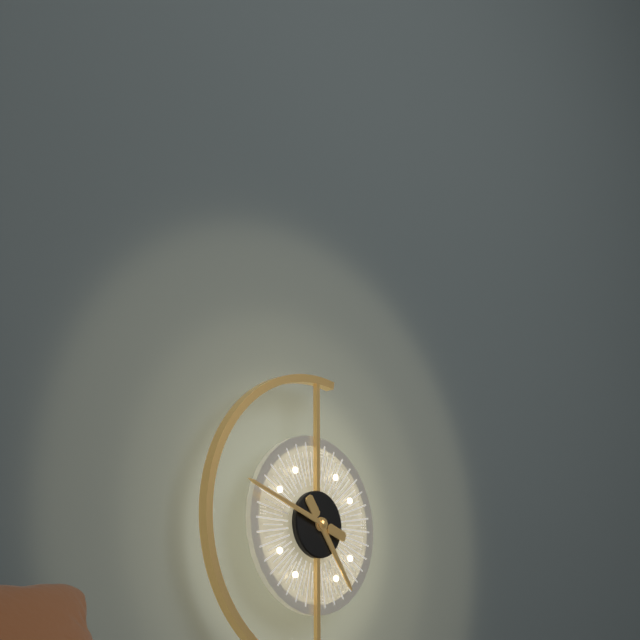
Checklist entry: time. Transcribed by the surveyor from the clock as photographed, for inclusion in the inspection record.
4:48
